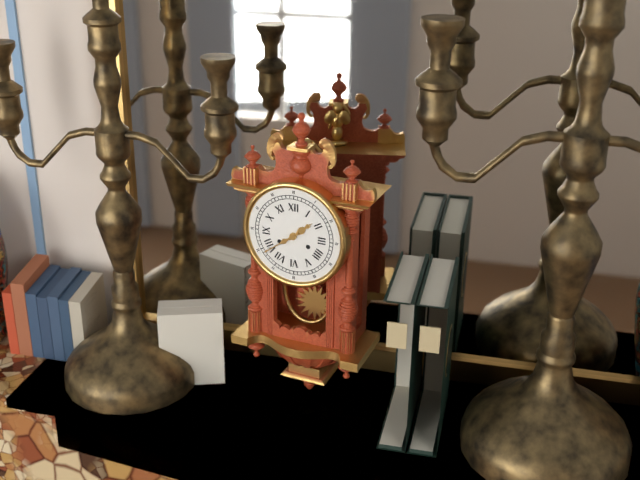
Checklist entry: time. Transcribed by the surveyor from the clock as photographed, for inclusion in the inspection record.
1:39
